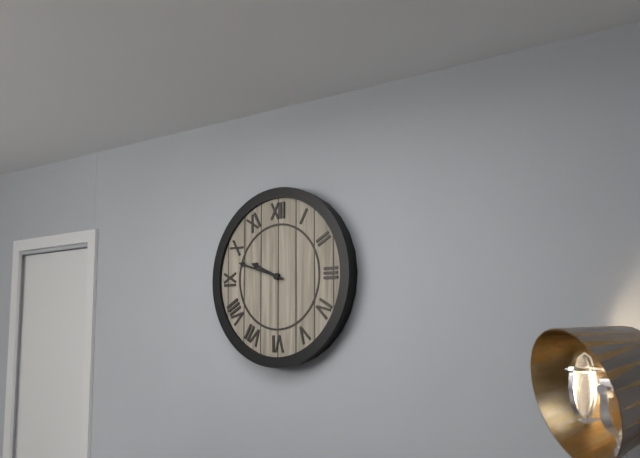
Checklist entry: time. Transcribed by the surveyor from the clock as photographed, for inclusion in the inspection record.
9:48
